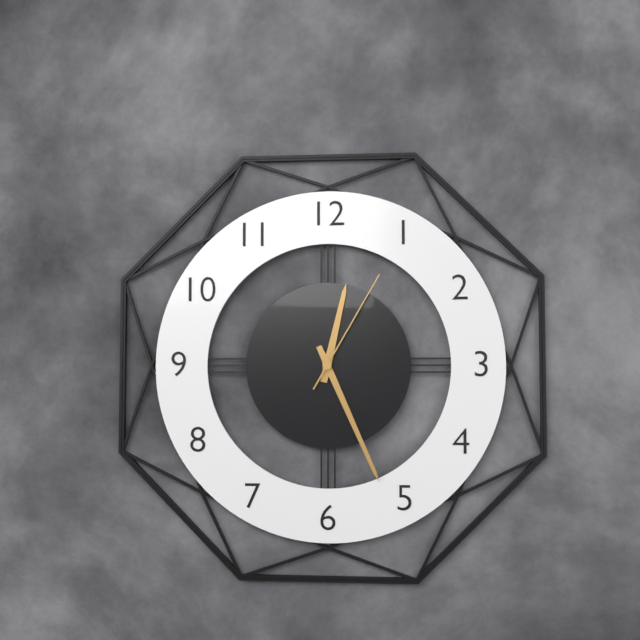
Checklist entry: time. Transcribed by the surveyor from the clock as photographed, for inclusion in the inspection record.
12:26:05
